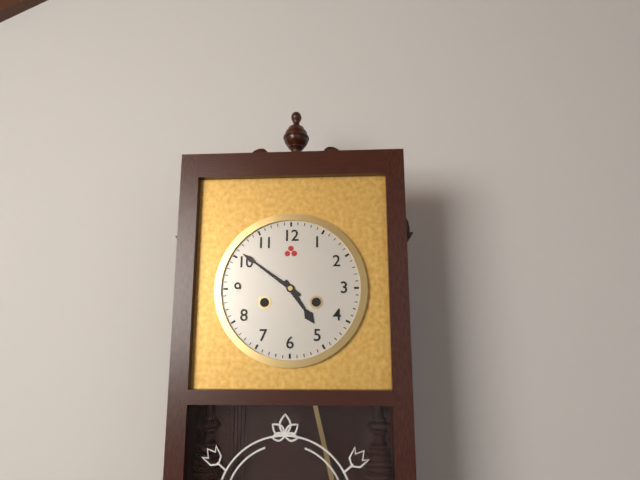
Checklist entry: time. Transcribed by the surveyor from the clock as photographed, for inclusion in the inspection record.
4:51
